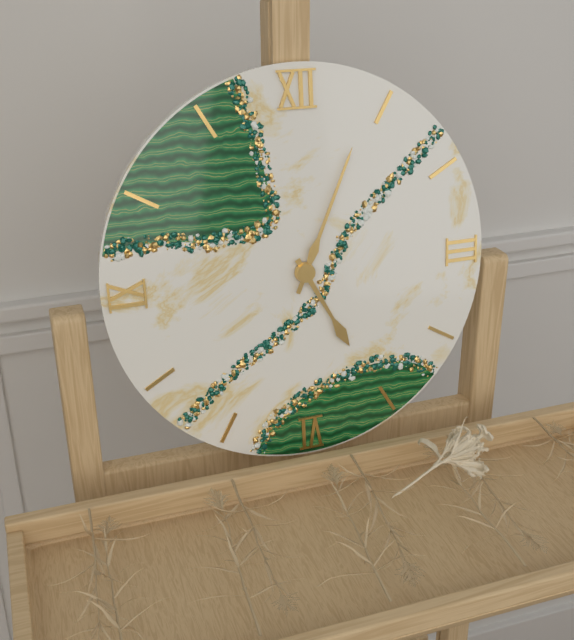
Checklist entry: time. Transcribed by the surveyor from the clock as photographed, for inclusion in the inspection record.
5:04
